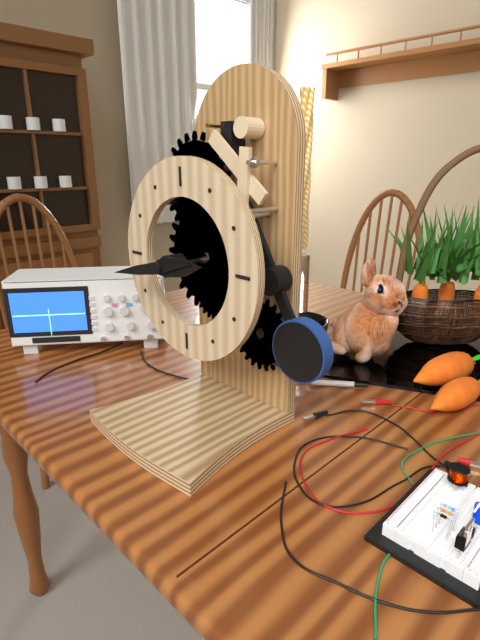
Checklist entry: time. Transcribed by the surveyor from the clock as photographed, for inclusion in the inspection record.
2:43
